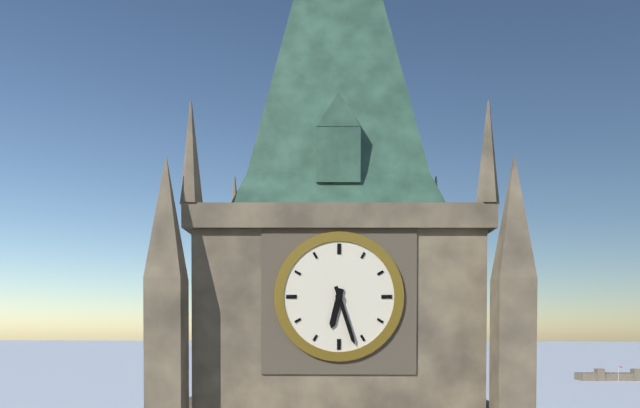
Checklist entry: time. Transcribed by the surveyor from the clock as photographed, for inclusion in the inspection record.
6:27
